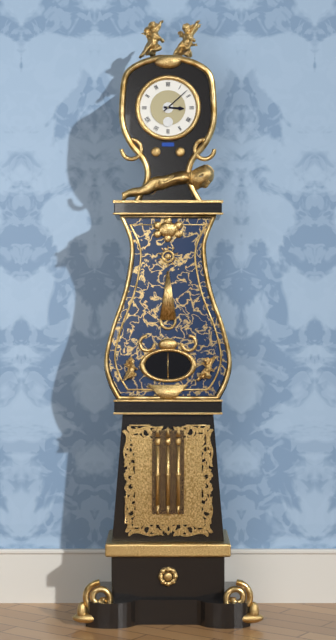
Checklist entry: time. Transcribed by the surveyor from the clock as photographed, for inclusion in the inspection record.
3:08
